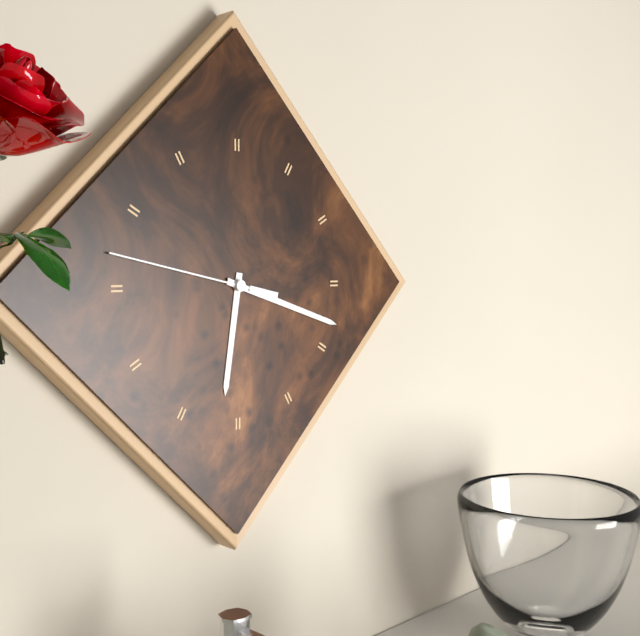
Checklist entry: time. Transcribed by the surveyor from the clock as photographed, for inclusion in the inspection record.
6:18:47
